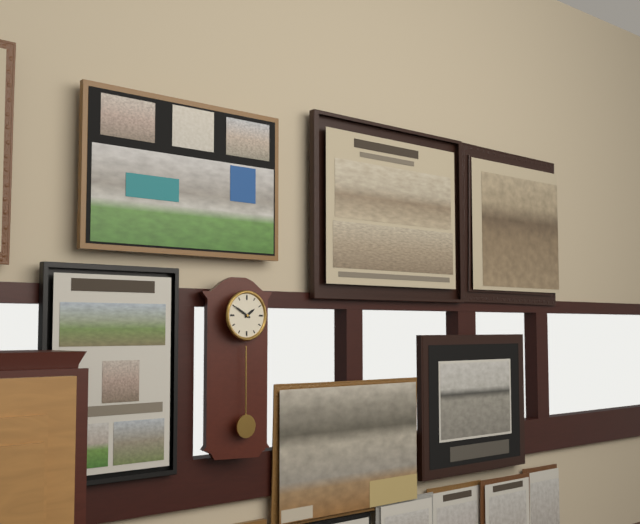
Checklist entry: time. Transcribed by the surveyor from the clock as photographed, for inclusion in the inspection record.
1:50
